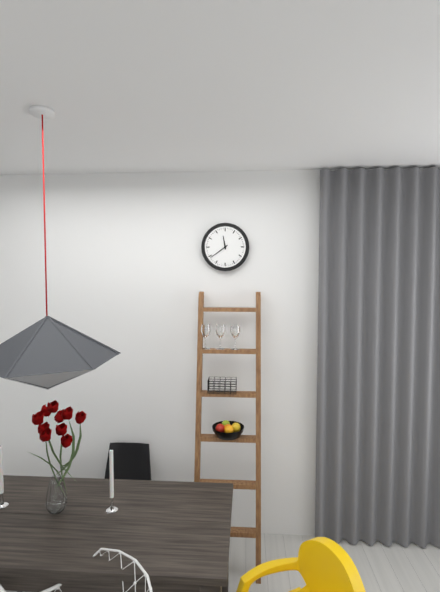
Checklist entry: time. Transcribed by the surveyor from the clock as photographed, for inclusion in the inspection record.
11:39
